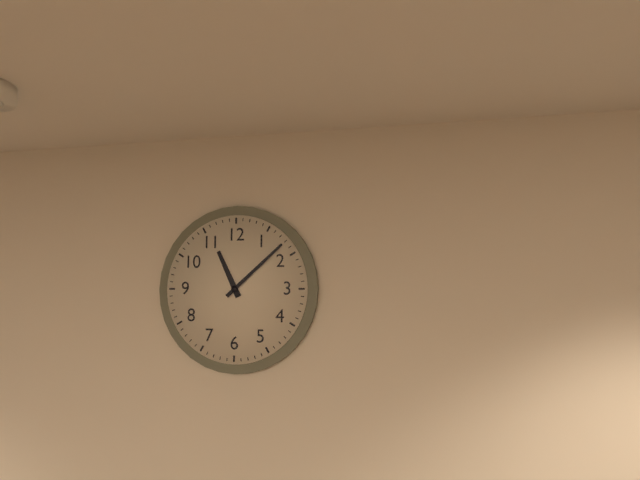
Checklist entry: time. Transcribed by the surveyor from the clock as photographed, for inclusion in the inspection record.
11:08
